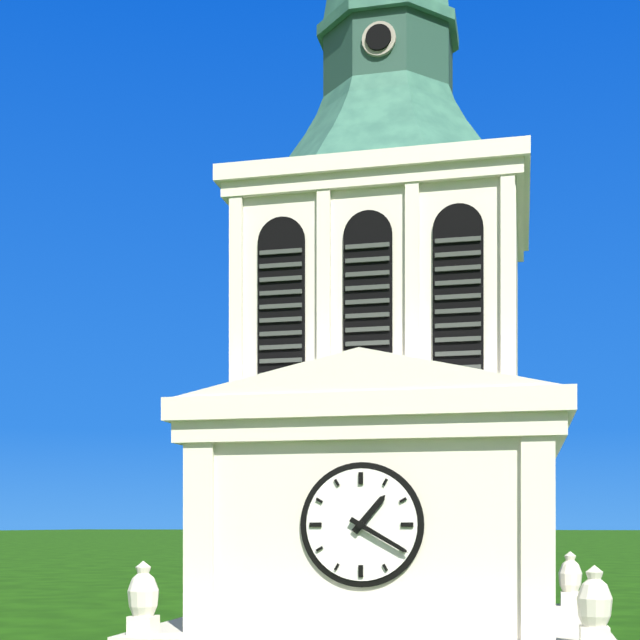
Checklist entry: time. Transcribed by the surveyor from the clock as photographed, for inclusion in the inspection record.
1:20
